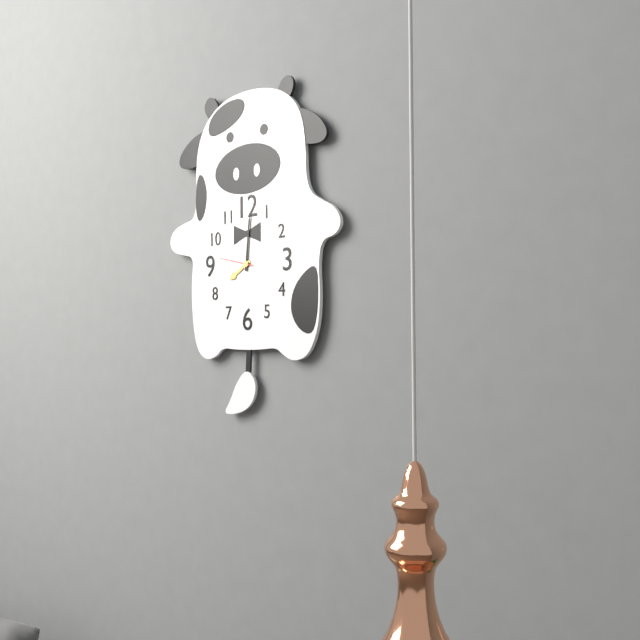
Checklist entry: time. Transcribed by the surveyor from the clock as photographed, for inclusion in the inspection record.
8:01
